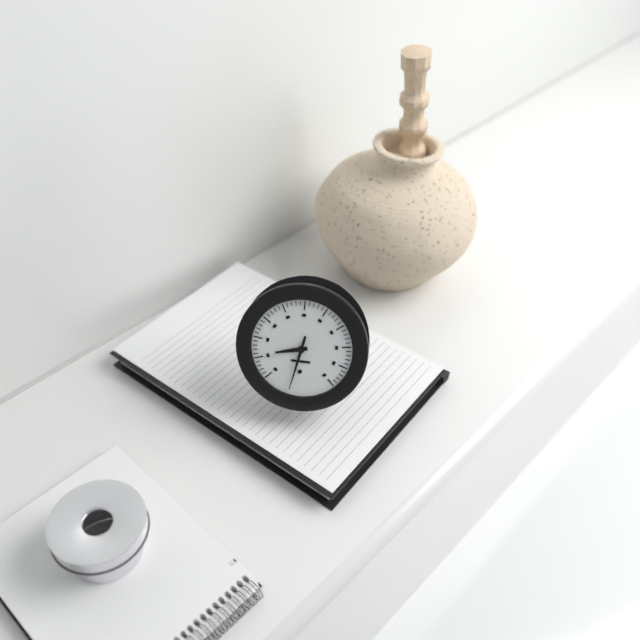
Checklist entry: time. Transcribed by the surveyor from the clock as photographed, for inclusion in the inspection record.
8:32
